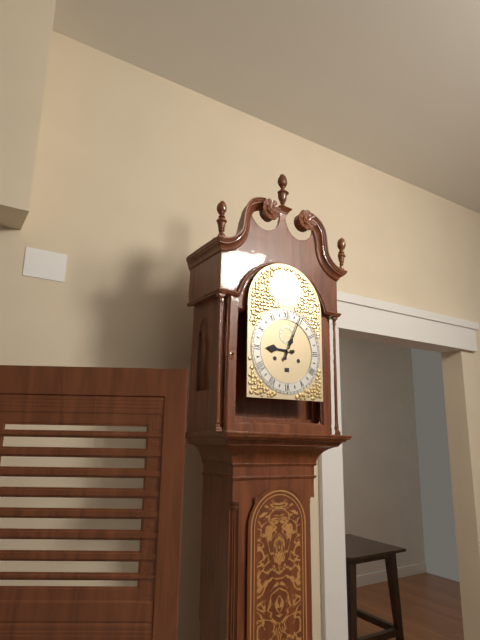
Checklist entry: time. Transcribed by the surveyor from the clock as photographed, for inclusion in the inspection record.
9:04
